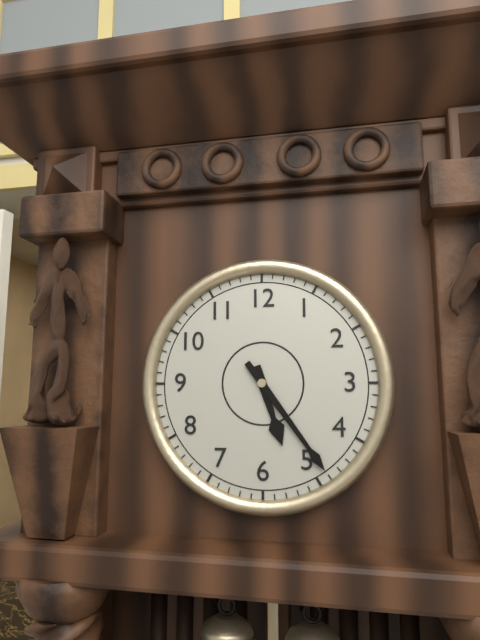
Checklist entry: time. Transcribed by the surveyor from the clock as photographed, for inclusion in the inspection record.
5:24
